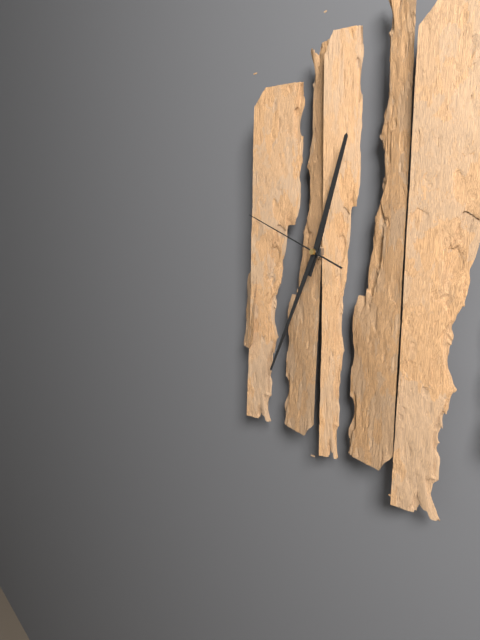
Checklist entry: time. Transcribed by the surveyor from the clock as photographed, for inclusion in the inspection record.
12:34:49
